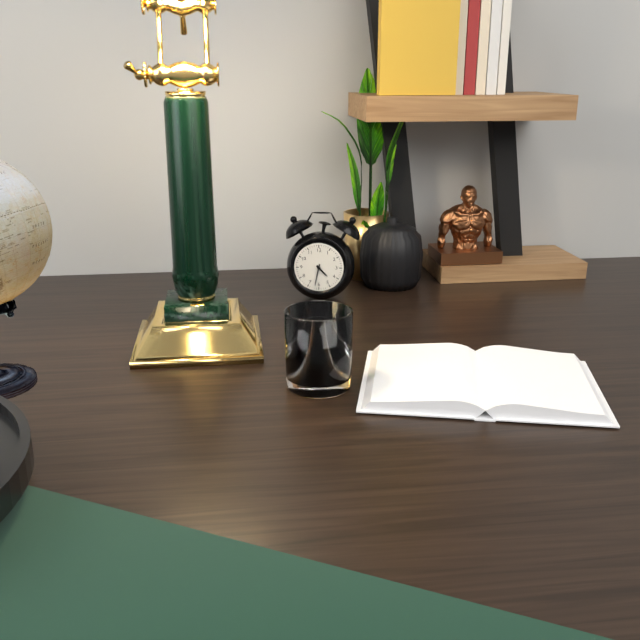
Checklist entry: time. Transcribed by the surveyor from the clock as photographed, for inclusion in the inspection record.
4:32
